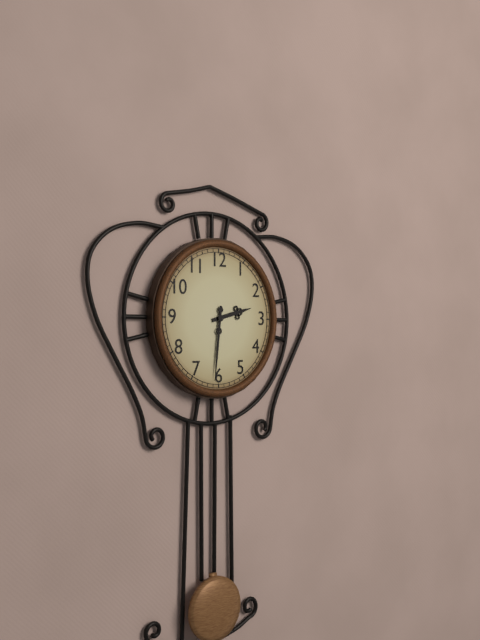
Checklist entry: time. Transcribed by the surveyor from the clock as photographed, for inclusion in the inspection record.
2:31
